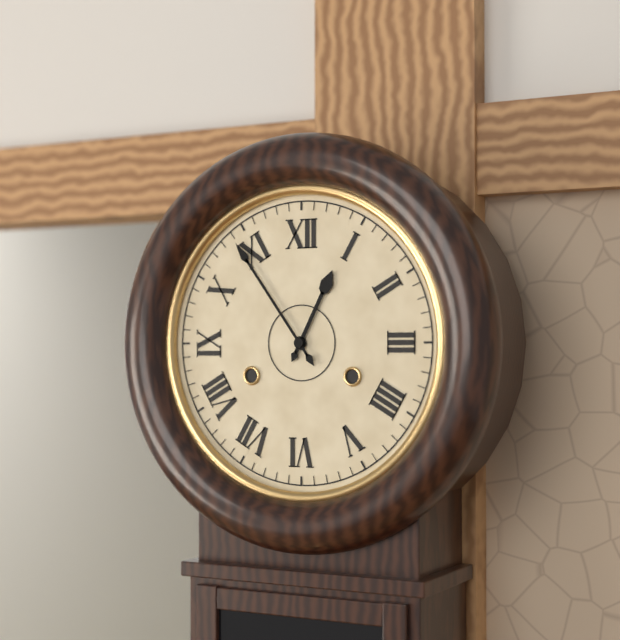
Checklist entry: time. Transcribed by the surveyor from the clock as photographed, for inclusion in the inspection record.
12:54
